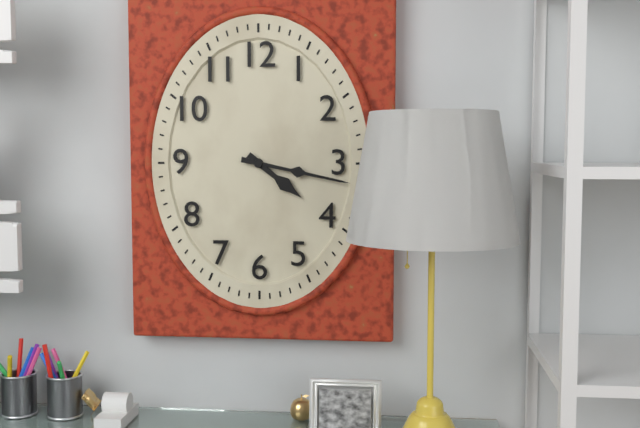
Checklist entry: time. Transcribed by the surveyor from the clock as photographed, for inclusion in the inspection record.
4:17
